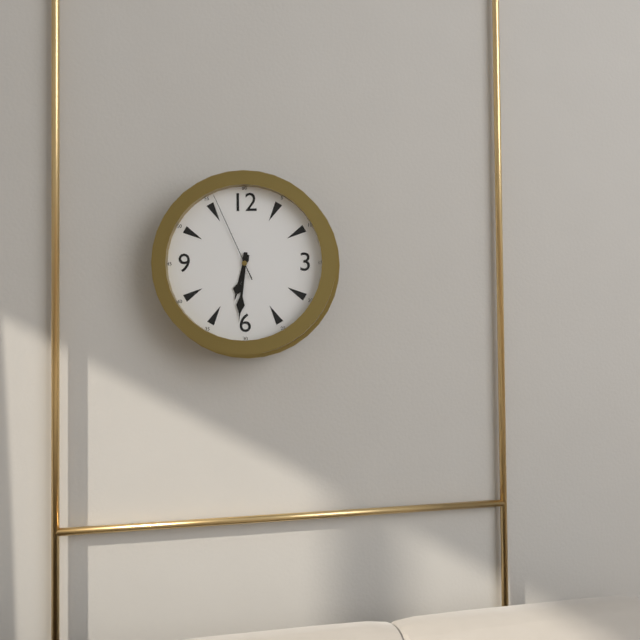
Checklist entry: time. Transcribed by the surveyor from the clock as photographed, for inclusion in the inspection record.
6:31:56
